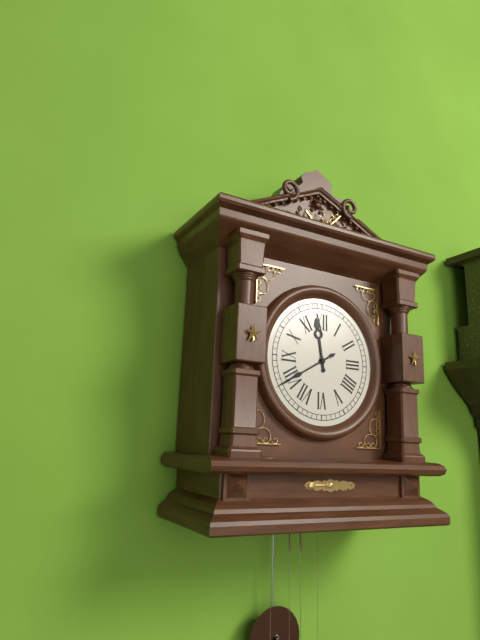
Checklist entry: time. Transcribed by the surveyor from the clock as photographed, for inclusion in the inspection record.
11:40
